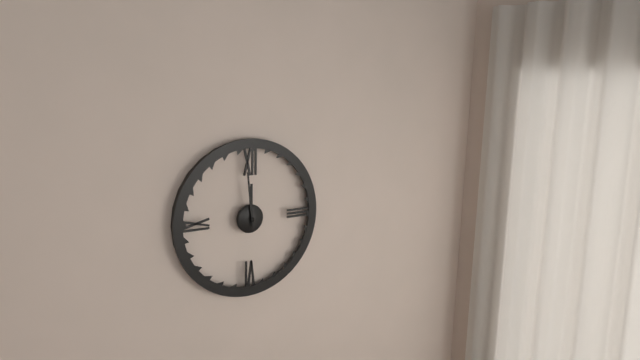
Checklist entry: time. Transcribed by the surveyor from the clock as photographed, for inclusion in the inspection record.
11:59
